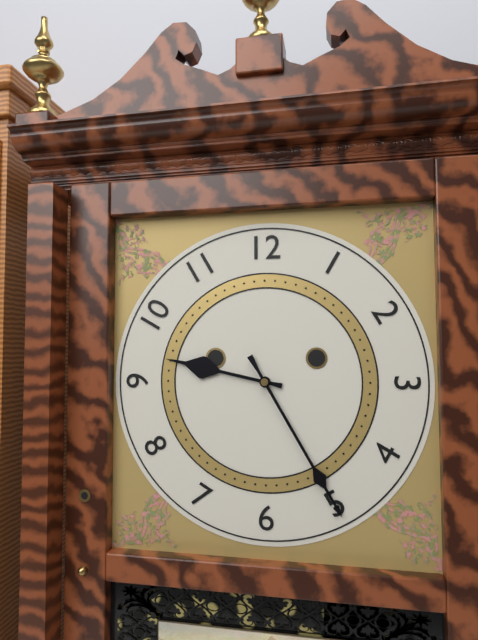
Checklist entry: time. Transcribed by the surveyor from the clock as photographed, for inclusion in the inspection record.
9:25
